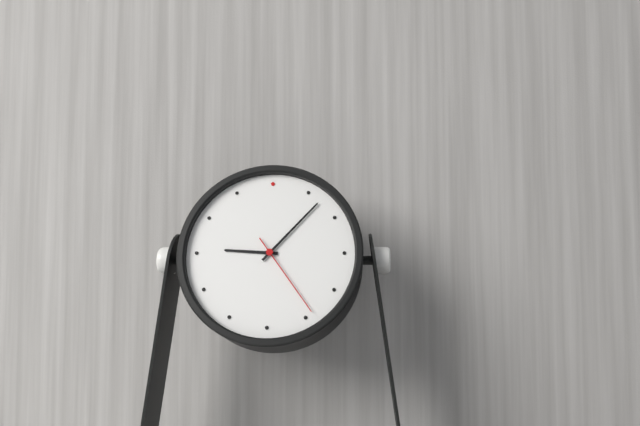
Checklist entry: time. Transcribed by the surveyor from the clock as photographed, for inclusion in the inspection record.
9:07:24
